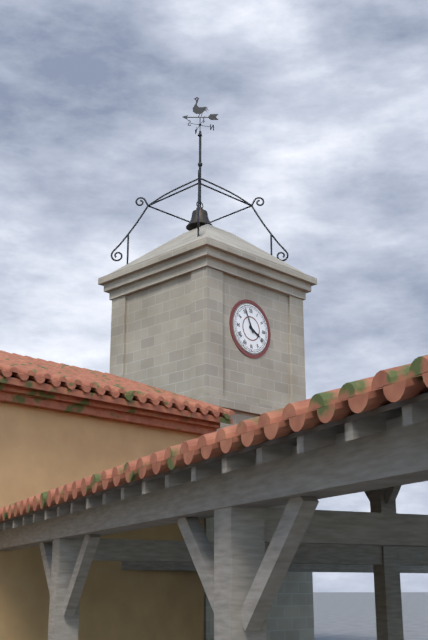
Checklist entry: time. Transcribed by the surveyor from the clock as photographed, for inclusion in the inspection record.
3:56
